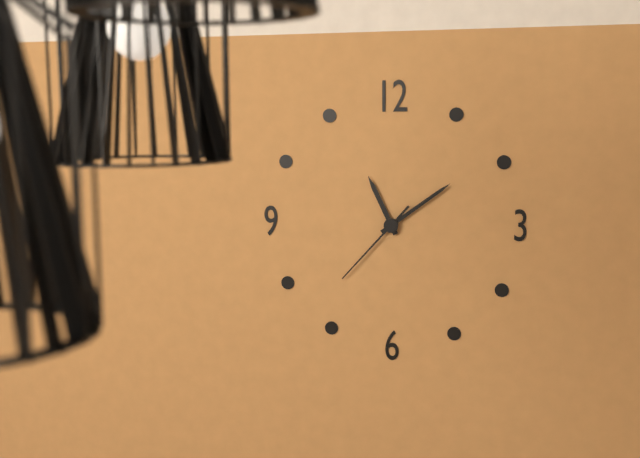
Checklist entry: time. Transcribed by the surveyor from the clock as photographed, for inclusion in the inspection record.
11:09:37
